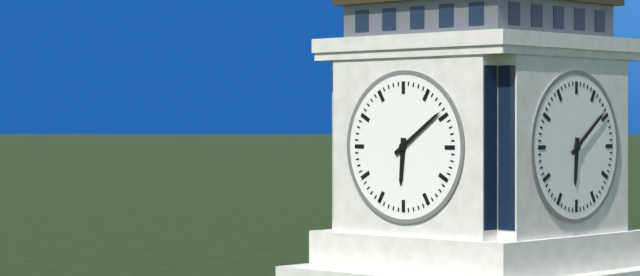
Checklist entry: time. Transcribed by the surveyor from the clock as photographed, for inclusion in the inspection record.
6:09
